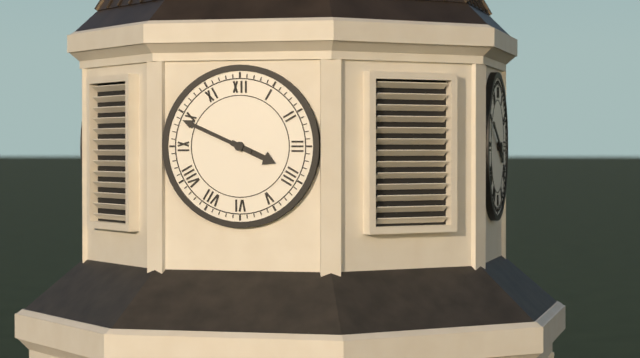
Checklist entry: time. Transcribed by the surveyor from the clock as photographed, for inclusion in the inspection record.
3:49
